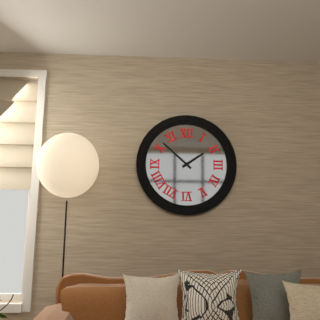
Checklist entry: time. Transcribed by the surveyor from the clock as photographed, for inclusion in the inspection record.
1:52
